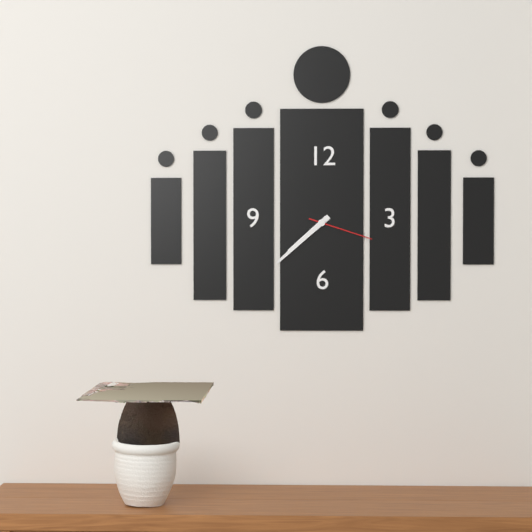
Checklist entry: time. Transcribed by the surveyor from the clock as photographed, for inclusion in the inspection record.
7:38:18
